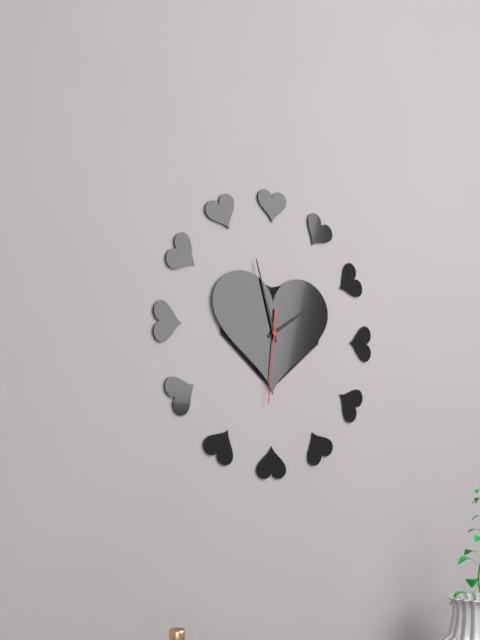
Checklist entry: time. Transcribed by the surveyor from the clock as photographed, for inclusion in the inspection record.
1:57:31
